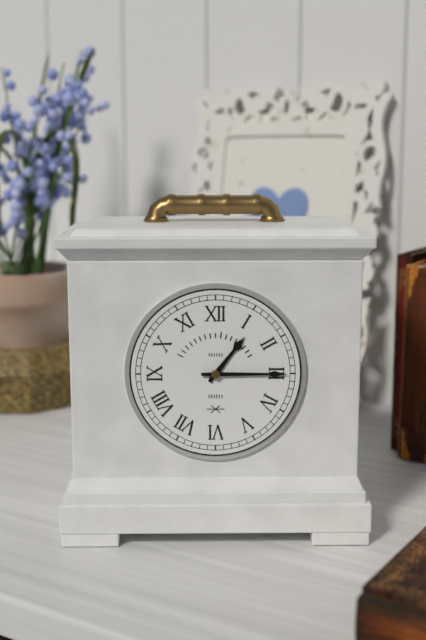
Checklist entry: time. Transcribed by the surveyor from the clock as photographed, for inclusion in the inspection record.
1:15
